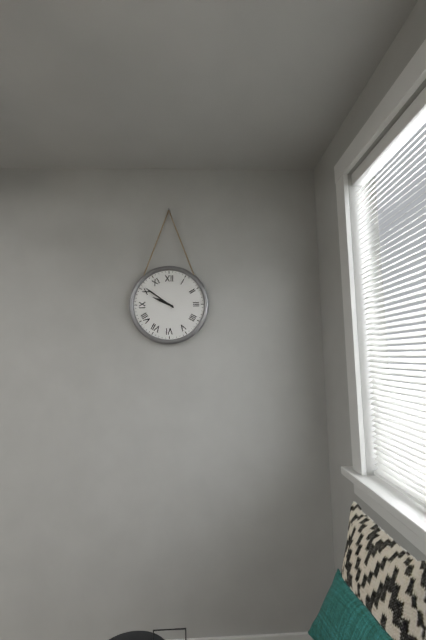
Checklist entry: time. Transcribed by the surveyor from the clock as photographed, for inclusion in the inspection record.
9:51
